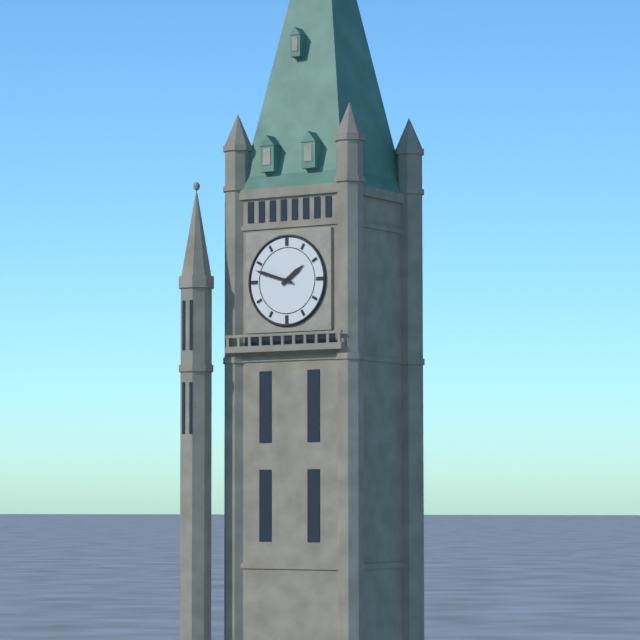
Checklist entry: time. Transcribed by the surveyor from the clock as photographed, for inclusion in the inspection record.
1:48
